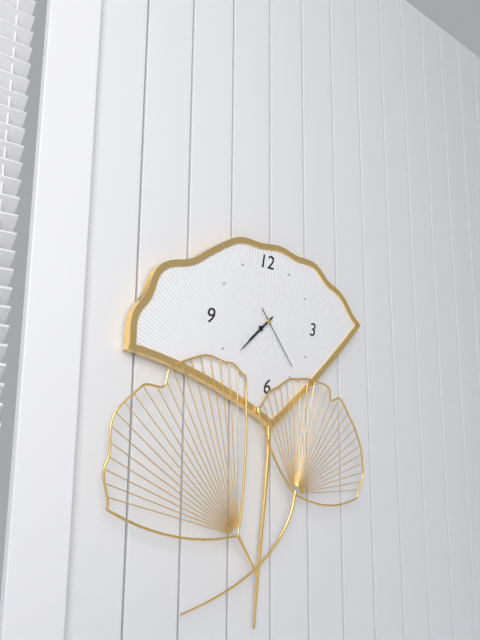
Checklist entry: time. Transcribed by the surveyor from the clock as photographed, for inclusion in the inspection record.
7:38:24
